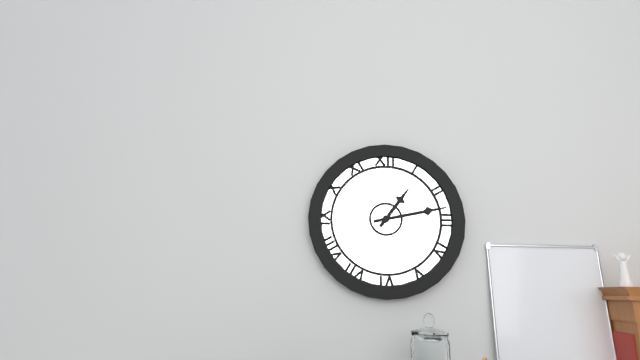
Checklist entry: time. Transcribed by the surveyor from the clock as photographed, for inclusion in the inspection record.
1:13
